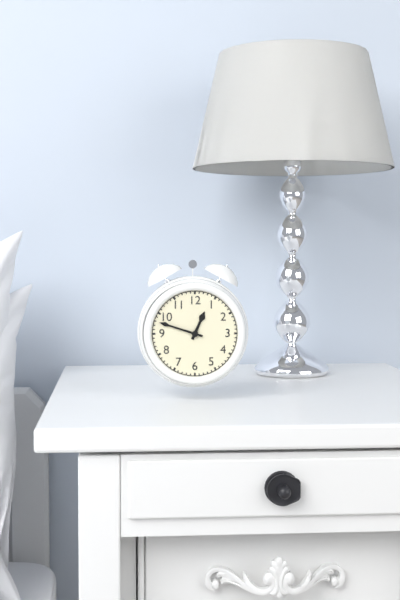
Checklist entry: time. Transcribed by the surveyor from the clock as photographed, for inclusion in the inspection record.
12:48
